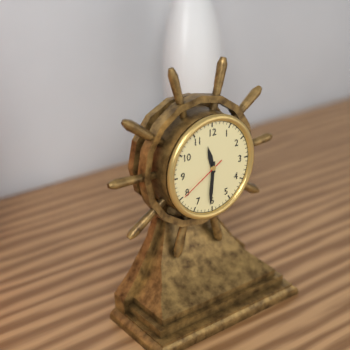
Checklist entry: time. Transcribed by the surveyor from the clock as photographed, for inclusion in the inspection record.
11:31:40
